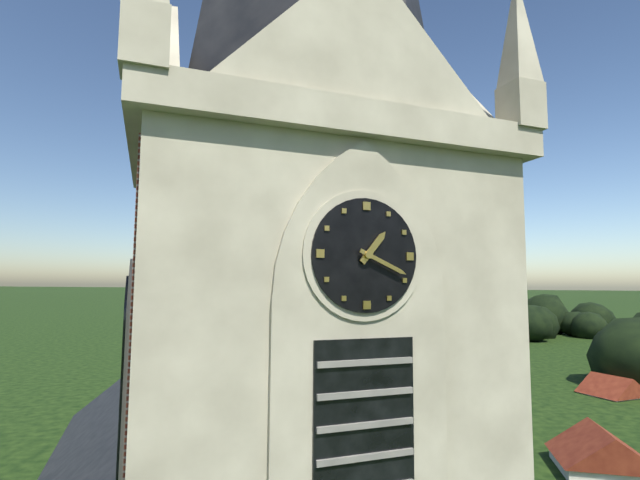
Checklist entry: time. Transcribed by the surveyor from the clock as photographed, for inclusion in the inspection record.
1:19
